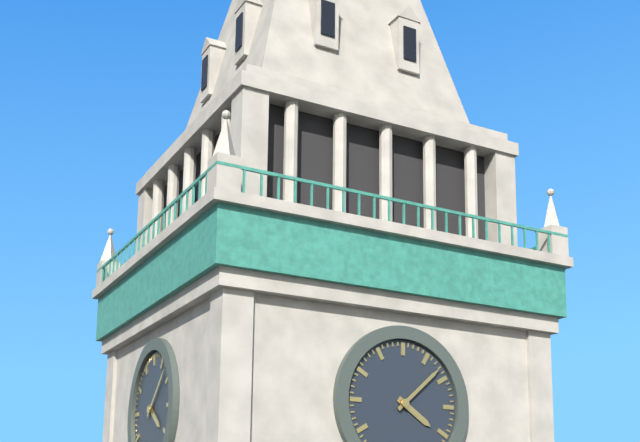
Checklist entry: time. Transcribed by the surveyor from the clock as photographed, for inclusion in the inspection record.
4:08
